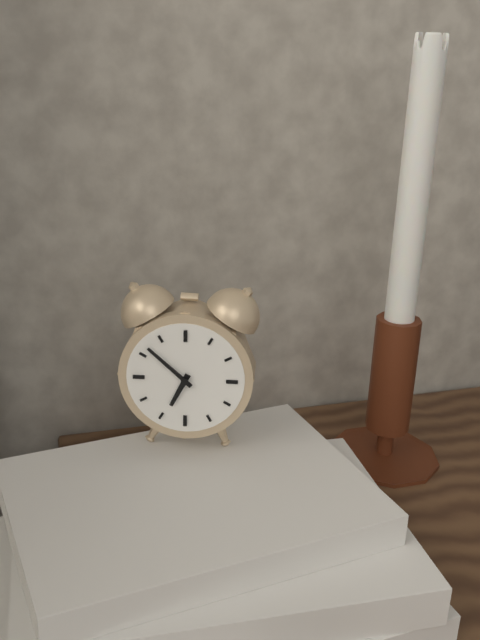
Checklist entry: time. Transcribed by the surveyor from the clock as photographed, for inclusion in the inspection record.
6:52
